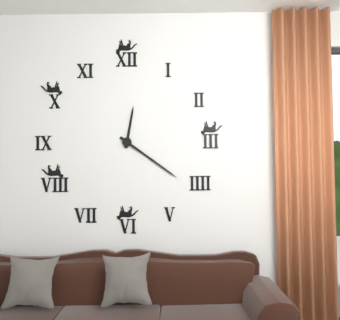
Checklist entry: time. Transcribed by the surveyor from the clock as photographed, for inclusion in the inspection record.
12:21
